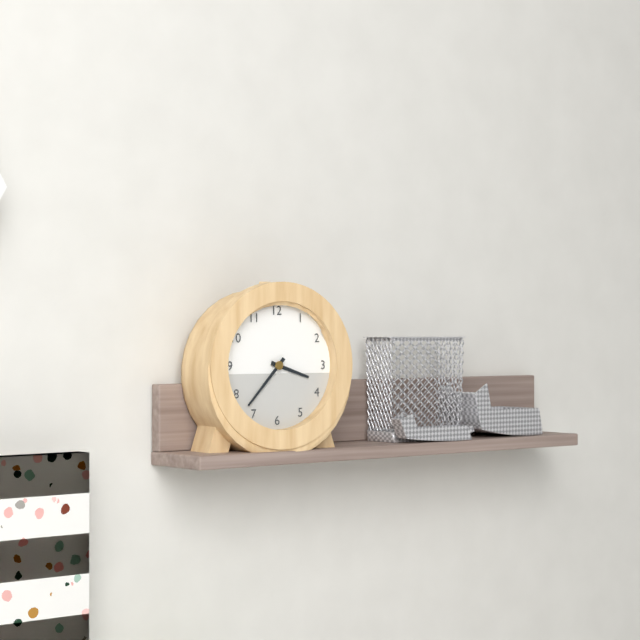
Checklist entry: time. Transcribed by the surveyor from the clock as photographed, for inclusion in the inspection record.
3:37
